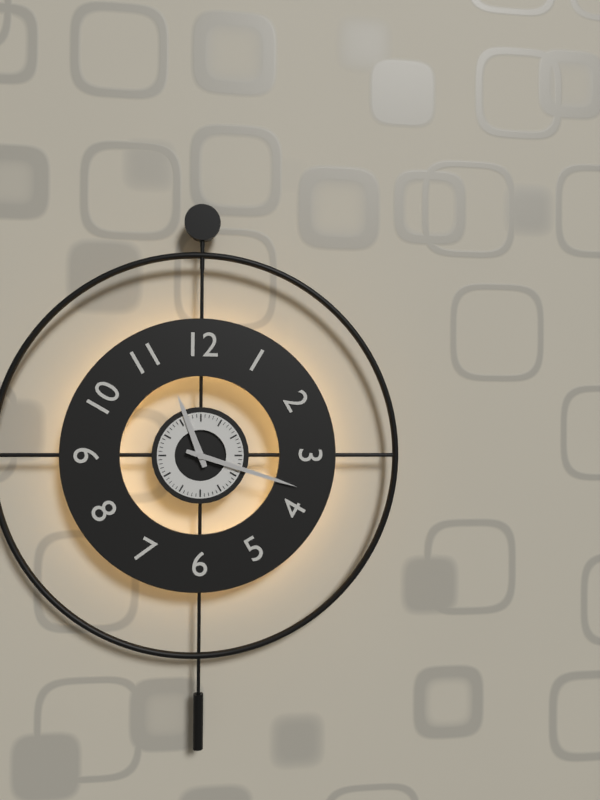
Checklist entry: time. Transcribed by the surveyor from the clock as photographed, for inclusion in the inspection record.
11:18
